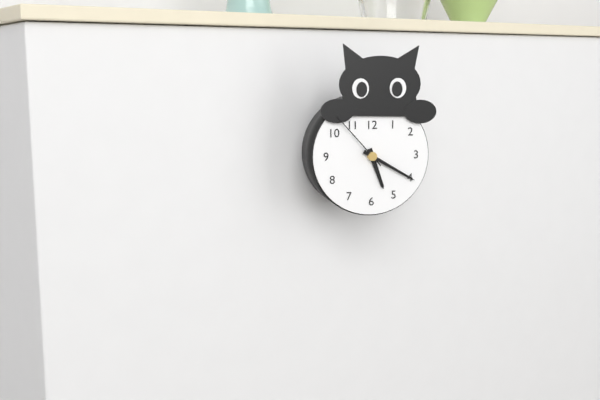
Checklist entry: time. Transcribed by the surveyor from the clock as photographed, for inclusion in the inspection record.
5:20:53
